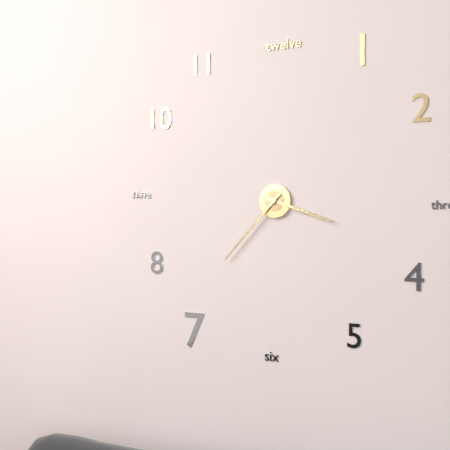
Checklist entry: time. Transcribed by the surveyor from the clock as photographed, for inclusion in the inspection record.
3:37
